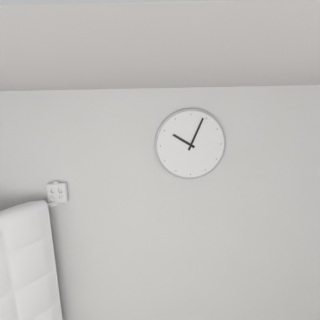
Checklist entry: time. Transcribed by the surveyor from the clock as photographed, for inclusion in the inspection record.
10:04
